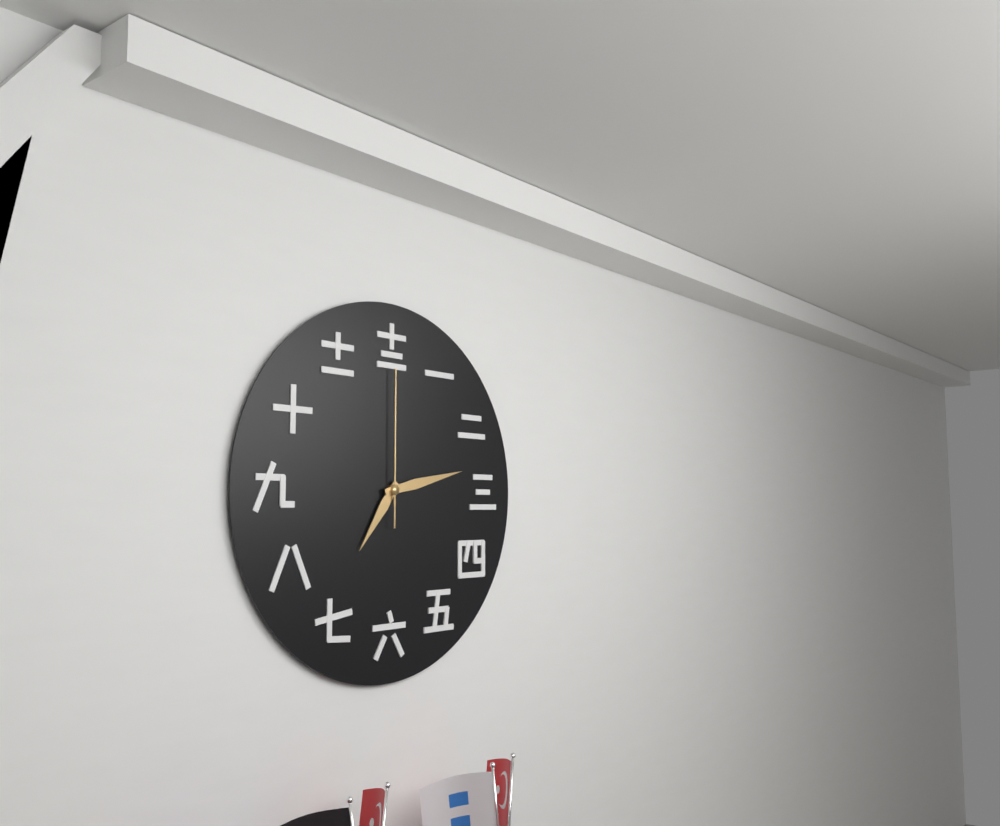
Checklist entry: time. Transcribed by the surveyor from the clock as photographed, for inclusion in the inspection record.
7:13:00
